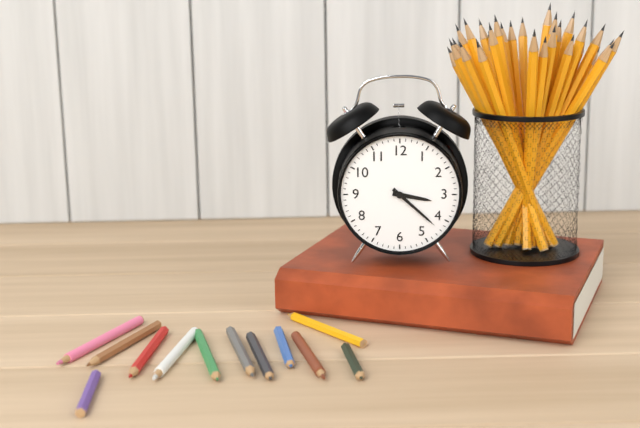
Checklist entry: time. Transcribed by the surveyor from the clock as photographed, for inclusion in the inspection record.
3:22
